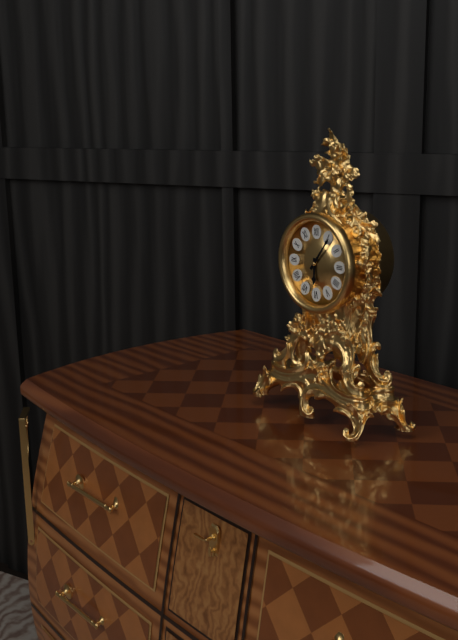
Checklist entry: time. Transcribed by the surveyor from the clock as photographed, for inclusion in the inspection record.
6:06
